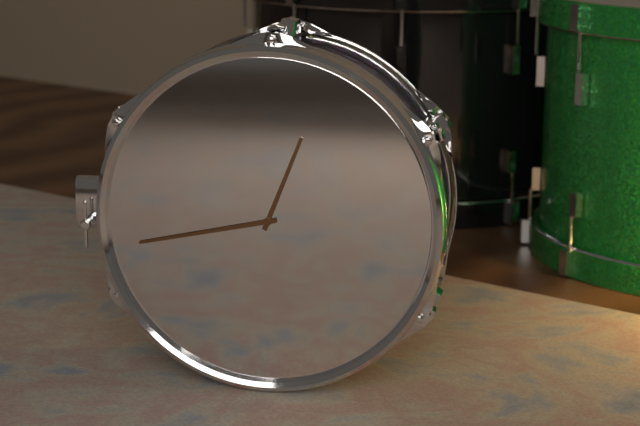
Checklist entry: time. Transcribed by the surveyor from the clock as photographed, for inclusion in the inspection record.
12:43
